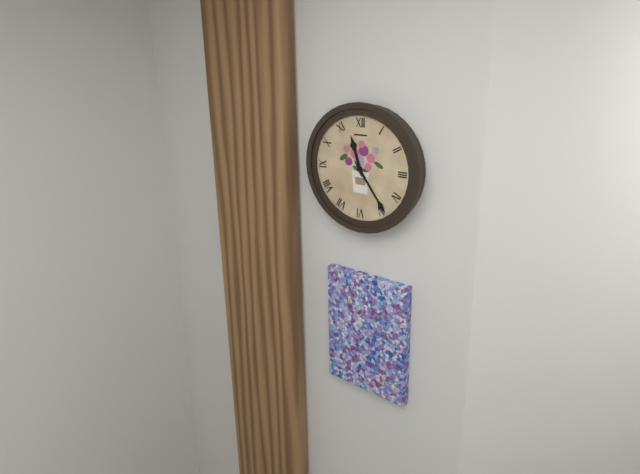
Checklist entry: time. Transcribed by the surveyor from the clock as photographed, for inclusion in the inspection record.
11:24
